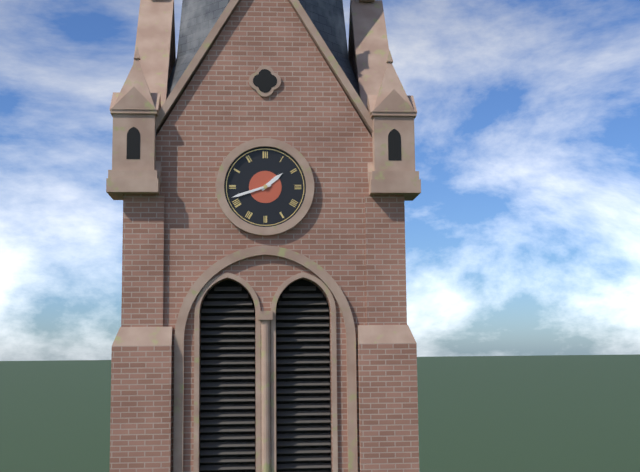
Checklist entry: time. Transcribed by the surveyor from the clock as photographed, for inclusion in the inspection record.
1:42
